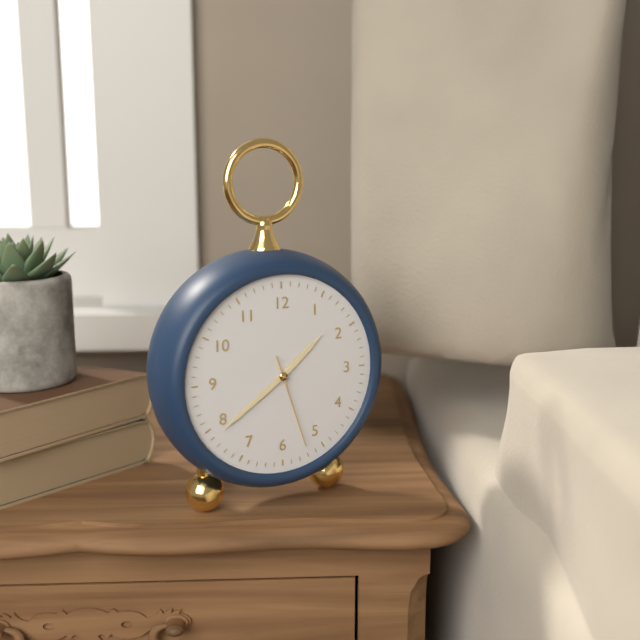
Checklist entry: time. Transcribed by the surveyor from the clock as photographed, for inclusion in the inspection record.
1:39:27
